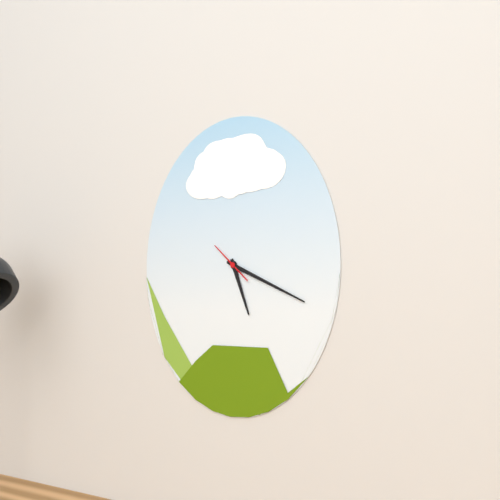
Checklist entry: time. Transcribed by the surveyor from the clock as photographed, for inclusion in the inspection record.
5:19
